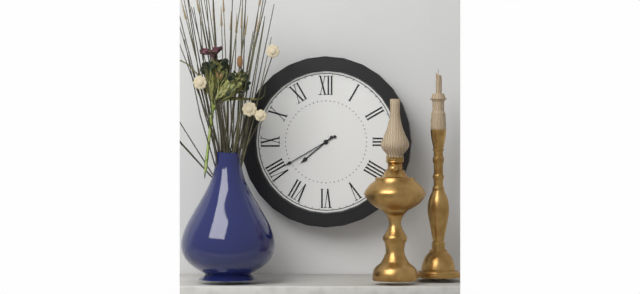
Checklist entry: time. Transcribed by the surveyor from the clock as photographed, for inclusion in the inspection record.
7:40
